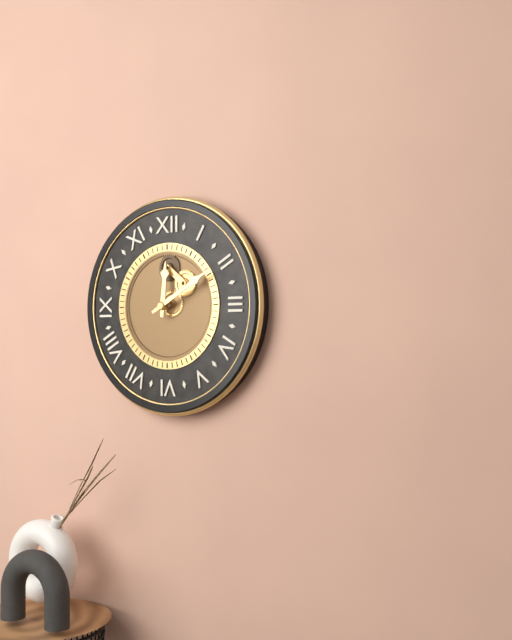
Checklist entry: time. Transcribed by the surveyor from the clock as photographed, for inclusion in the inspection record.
12:10
